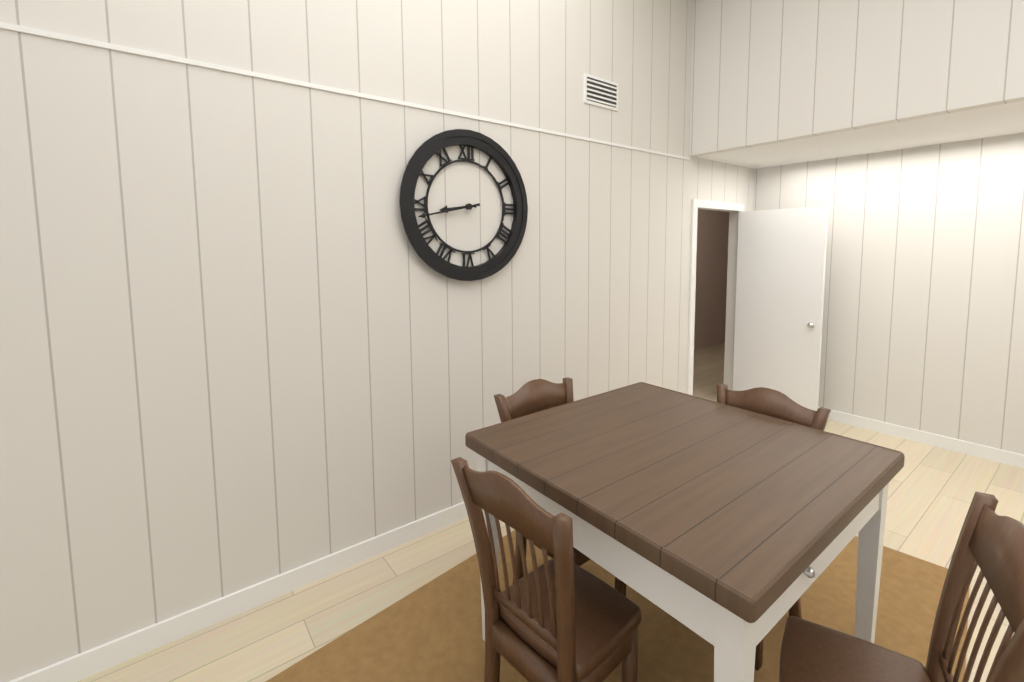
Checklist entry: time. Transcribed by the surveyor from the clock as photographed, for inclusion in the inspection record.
8:43
